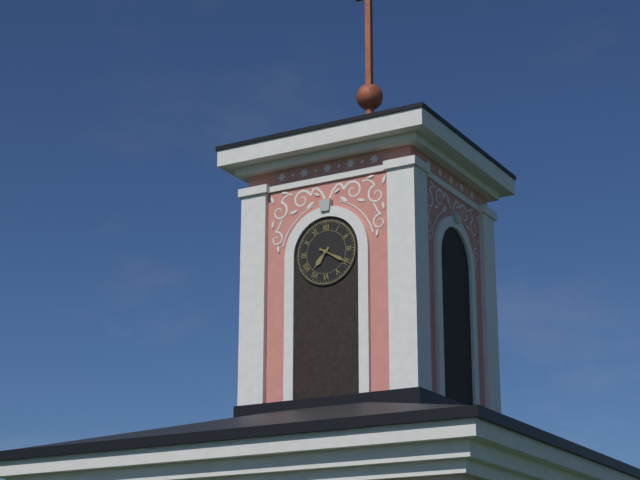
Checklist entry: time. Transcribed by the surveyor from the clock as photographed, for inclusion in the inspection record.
7:20
